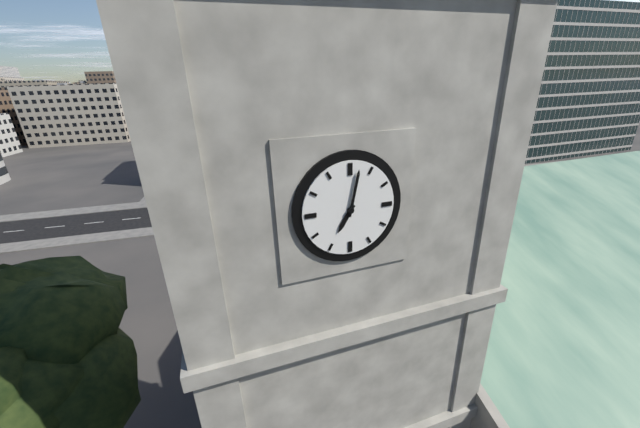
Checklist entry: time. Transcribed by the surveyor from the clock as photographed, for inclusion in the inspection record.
7:02
